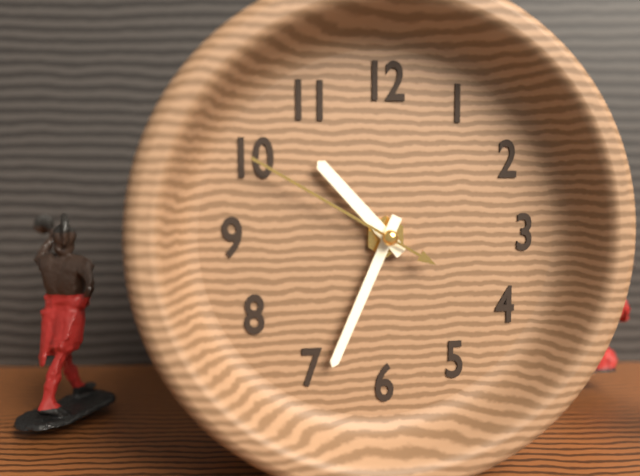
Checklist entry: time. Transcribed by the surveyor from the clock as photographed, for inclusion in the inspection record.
10:34:50
